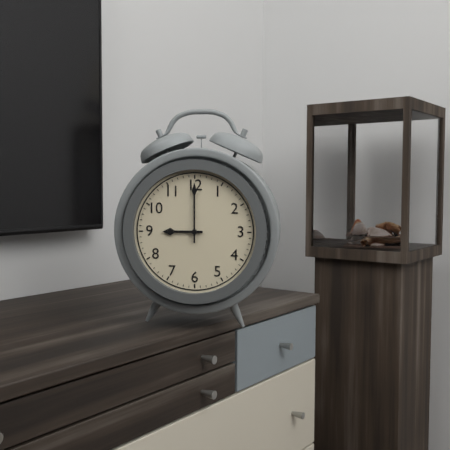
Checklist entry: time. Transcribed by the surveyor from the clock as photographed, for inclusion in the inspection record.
9:00
